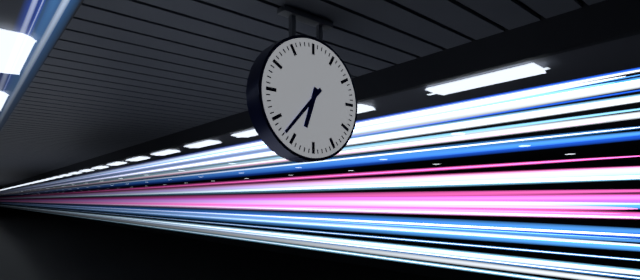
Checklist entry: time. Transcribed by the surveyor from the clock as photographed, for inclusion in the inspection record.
6:37
